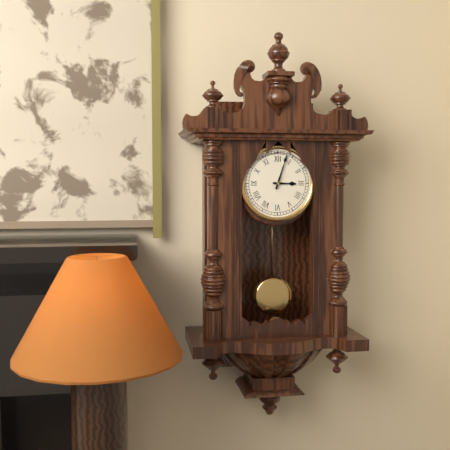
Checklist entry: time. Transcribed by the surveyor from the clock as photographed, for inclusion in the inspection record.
3:03
